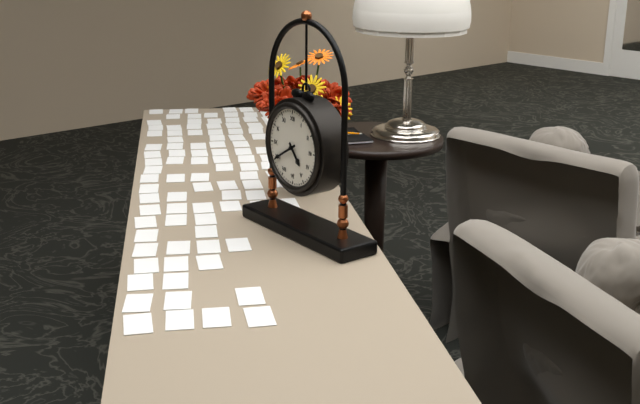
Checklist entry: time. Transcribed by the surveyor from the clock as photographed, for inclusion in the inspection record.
4:40
